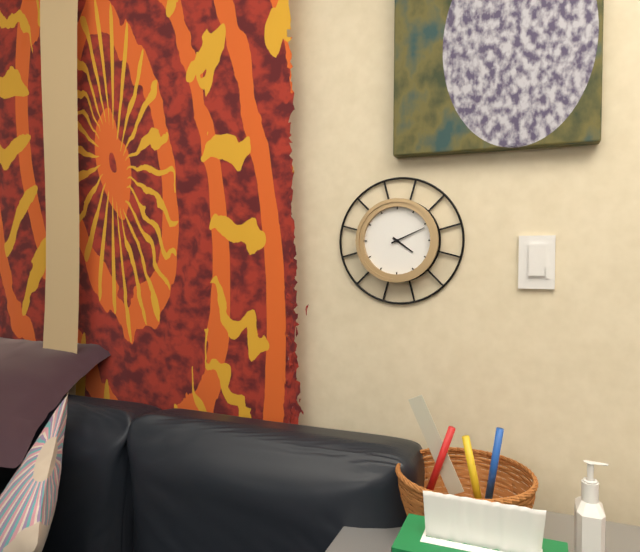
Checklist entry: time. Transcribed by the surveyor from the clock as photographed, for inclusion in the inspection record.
4:11
